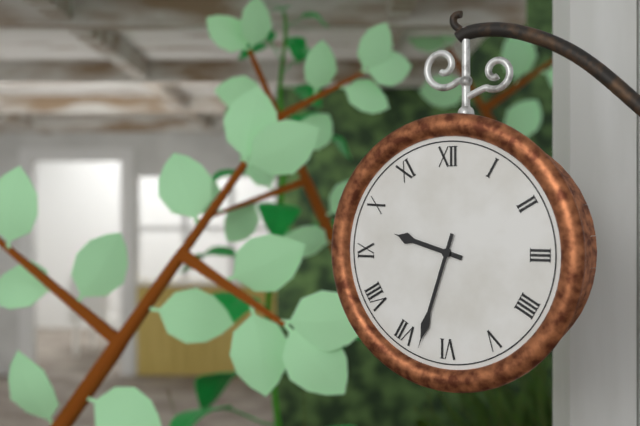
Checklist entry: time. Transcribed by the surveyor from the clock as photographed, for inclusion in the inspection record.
9:33
